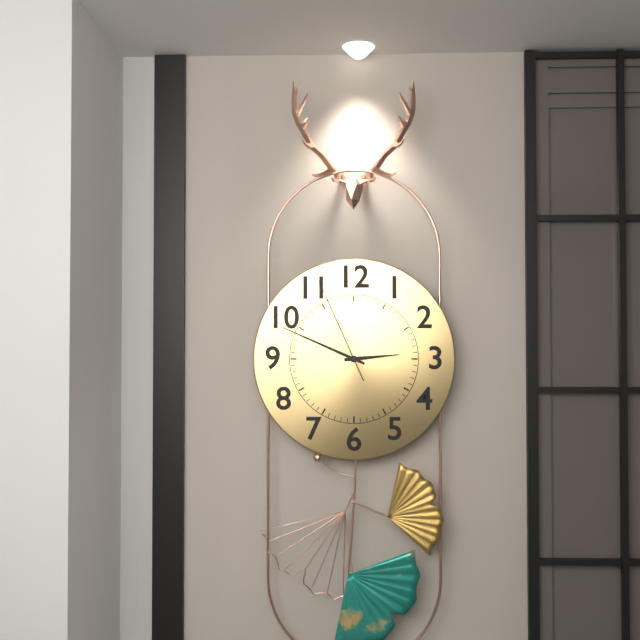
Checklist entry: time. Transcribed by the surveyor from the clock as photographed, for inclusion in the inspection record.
2:49:56
